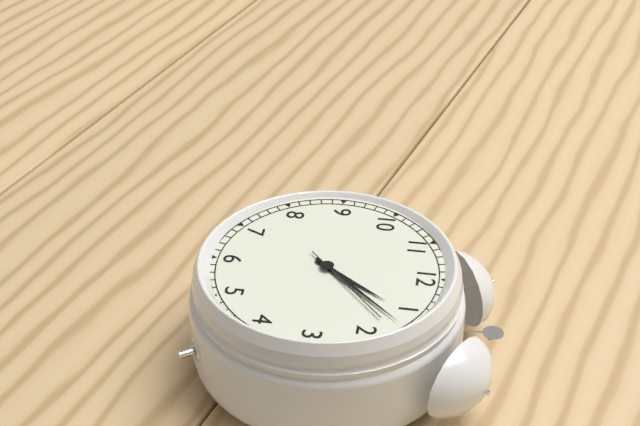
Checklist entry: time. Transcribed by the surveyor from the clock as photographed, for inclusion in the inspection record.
1:07:08
